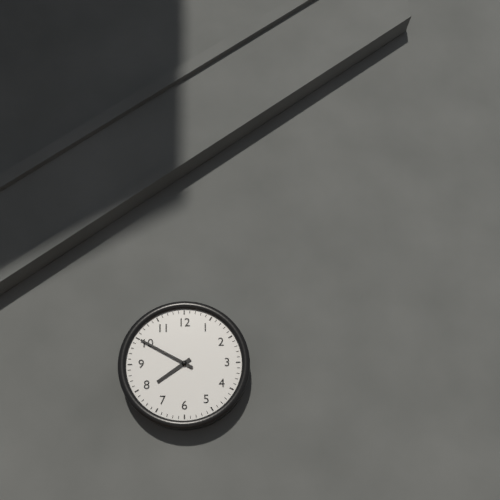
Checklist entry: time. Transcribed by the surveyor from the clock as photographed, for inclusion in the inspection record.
7:50
